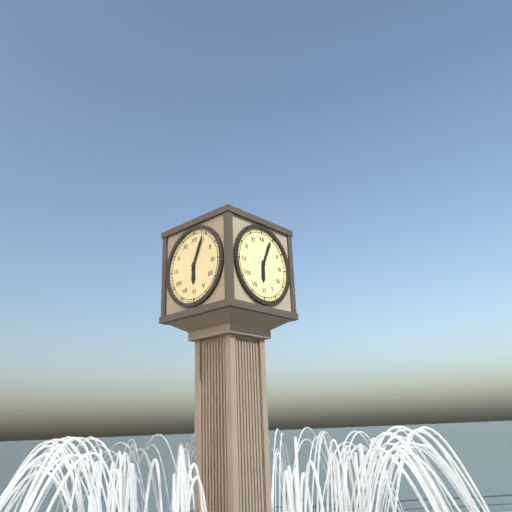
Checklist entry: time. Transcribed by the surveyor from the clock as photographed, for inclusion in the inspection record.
6:04
